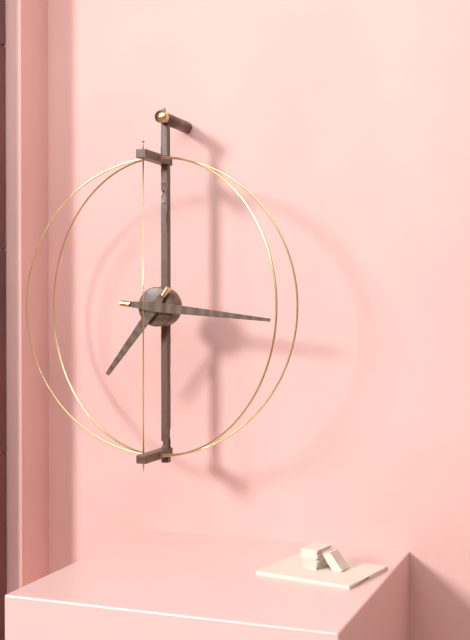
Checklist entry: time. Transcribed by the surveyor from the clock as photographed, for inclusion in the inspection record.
7:16
